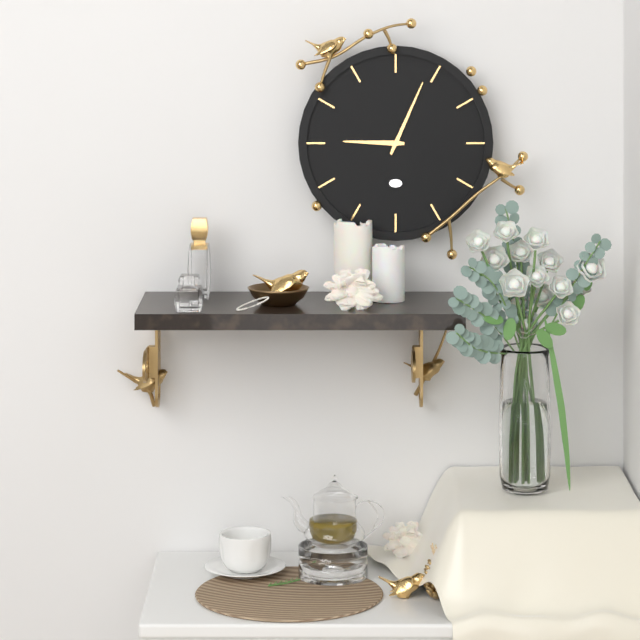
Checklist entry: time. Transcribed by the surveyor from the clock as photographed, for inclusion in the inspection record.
9:04
